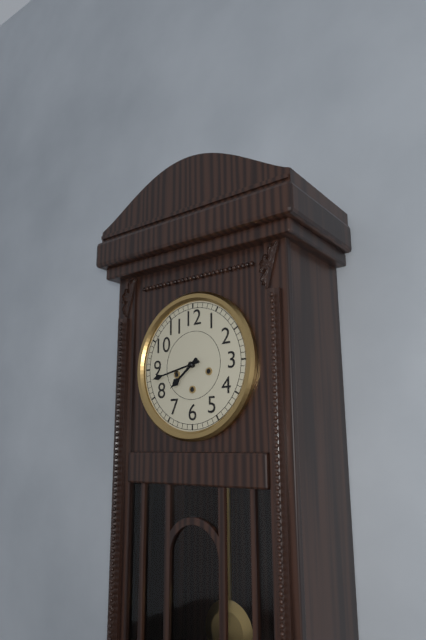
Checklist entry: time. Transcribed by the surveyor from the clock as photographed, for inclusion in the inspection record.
7:43
